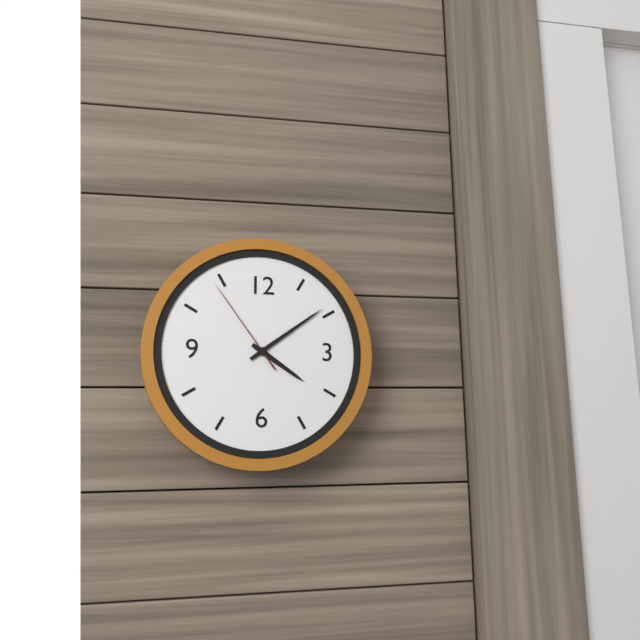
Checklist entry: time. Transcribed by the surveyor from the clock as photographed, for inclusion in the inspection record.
4:09:54
